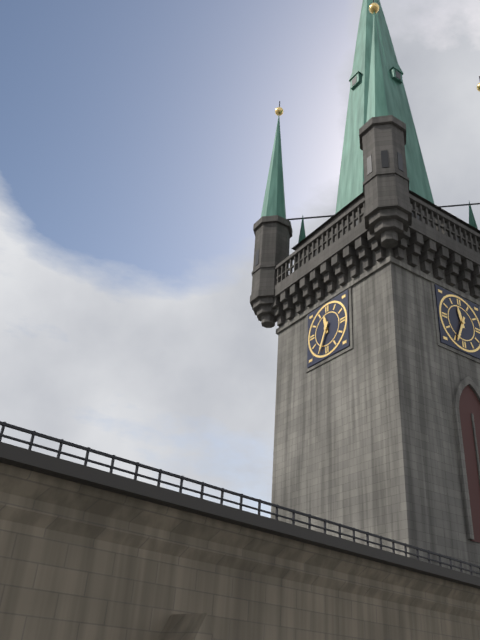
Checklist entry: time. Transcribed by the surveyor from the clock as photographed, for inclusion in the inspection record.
11:34
